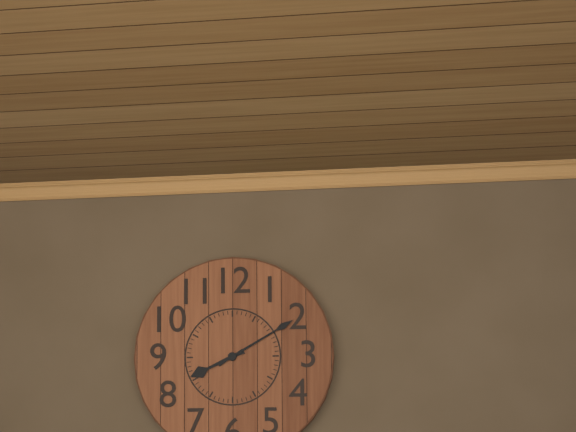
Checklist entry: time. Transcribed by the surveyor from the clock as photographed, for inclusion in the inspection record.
8:10
